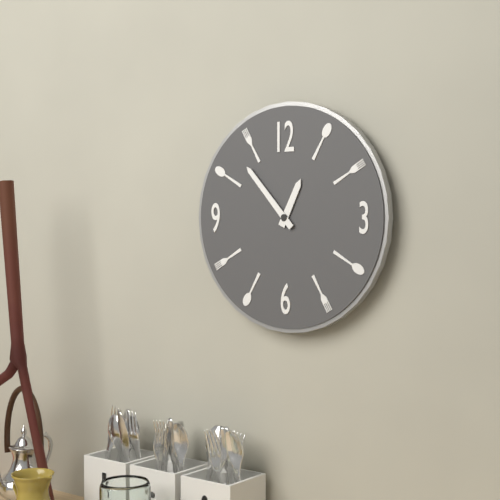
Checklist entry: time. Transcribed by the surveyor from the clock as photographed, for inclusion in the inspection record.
12:53
